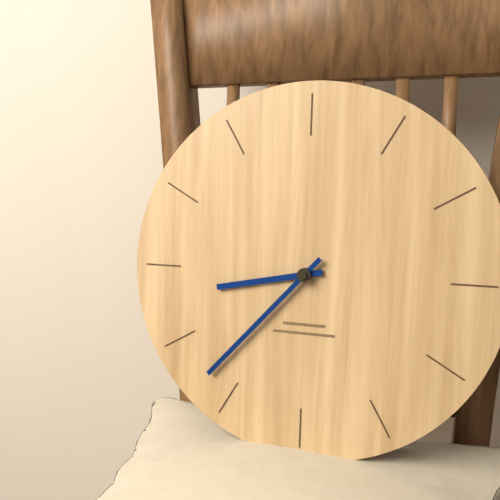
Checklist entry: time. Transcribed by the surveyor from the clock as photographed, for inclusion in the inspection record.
8:37
